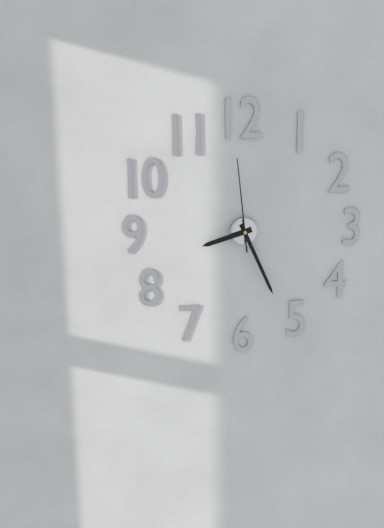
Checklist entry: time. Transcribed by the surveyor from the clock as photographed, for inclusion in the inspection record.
8:26:59
